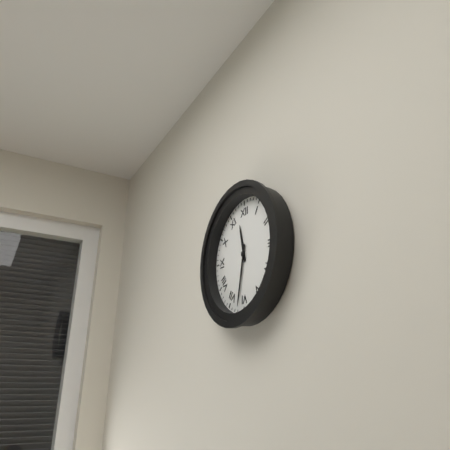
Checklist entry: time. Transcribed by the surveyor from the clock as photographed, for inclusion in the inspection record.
11:32
